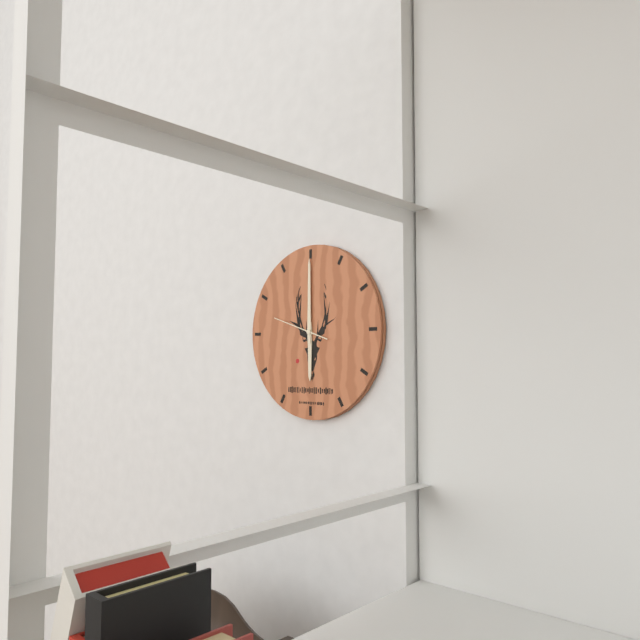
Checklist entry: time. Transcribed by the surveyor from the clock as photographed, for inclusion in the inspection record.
6:00:48
